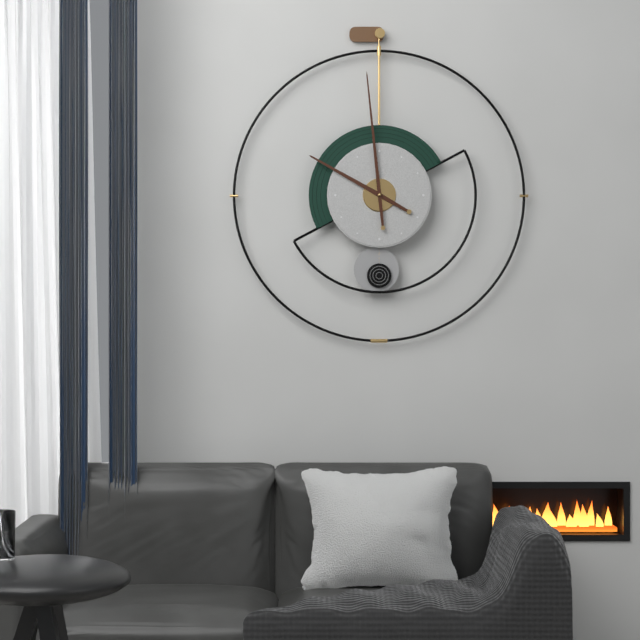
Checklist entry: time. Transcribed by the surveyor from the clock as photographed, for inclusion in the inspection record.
9:59
